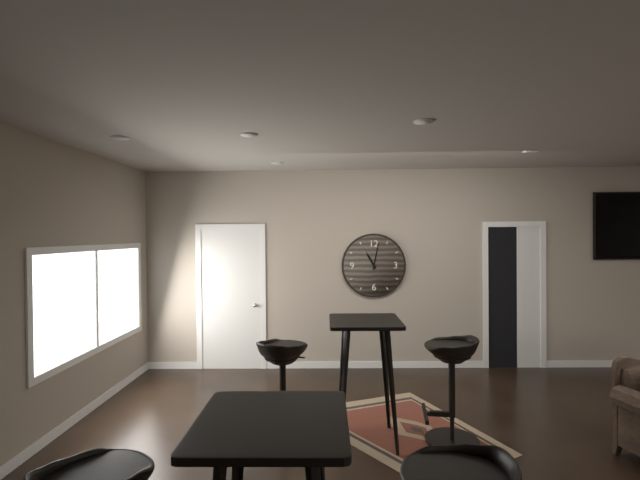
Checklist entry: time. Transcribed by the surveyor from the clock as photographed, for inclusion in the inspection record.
11:02
